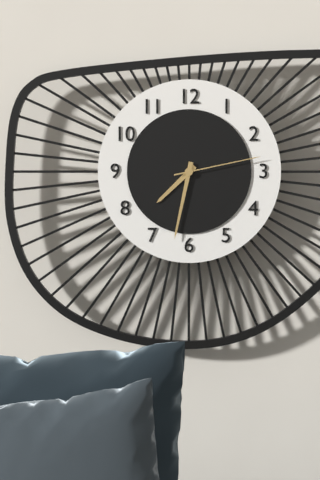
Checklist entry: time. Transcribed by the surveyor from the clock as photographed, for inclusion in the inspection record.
7:32:13
